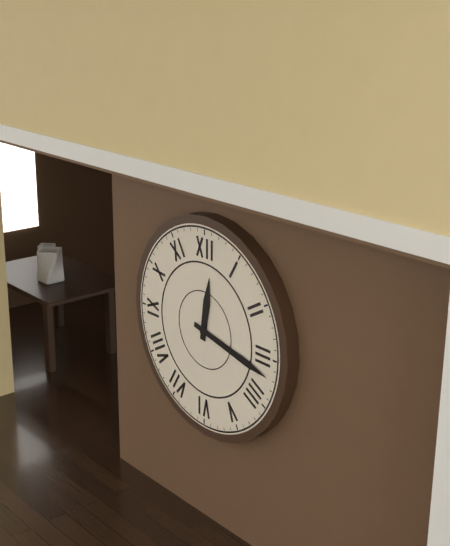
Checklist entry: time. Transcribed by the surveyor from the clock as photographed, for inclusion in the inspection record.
12:17
